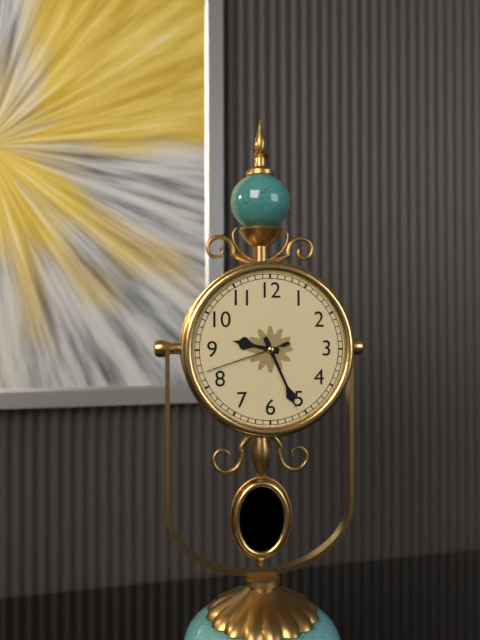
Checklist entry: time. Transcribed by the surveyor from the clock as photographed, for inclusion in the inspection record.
9:26:42
